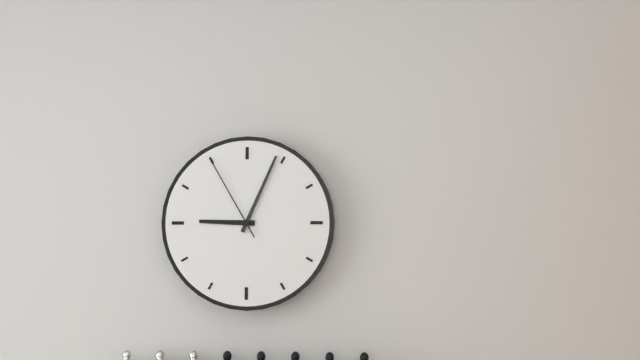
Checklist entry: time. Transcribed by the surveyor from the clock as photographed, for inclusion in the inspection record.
9:04:55
